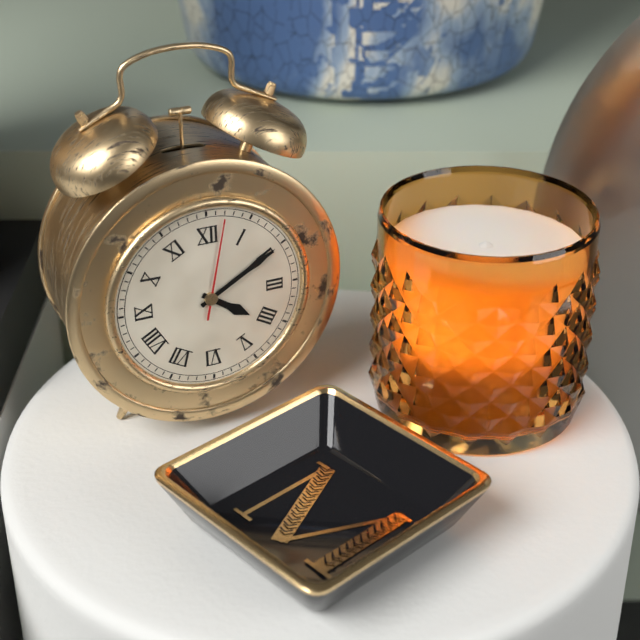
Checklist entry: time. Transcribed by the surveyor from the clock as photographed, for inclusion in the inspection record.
4:10:02
